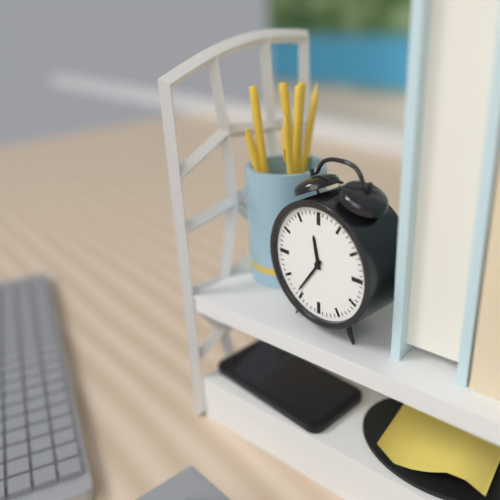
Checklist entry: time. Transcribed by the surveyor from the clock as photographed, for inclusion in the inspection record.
11:36
